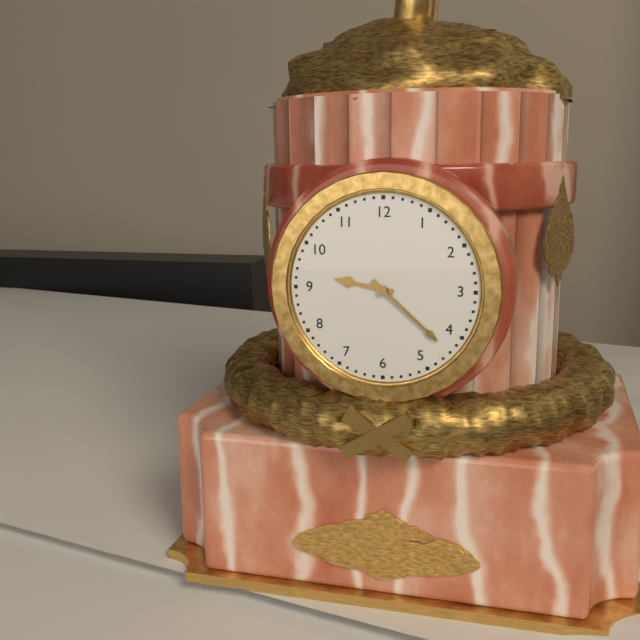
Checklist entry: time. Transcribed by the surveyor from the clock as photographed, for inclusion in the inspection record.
9:22
